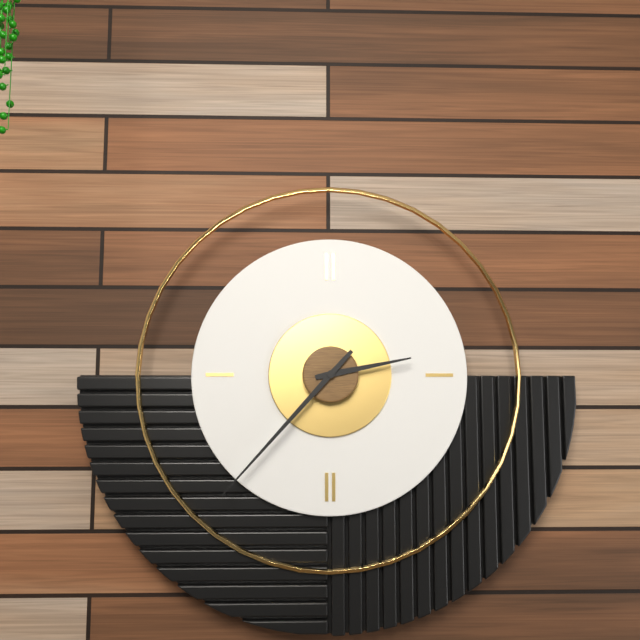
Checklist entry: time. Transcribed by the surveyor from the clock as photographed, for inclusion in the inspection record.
2:37
